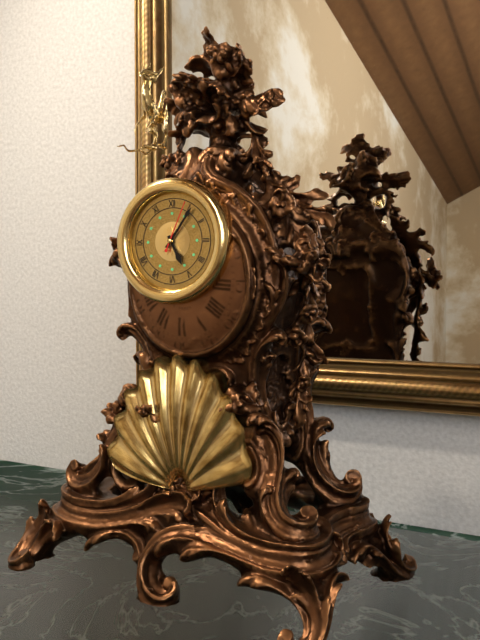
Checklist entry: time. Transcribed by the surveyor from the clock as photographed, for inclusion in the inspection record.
5:06:04
